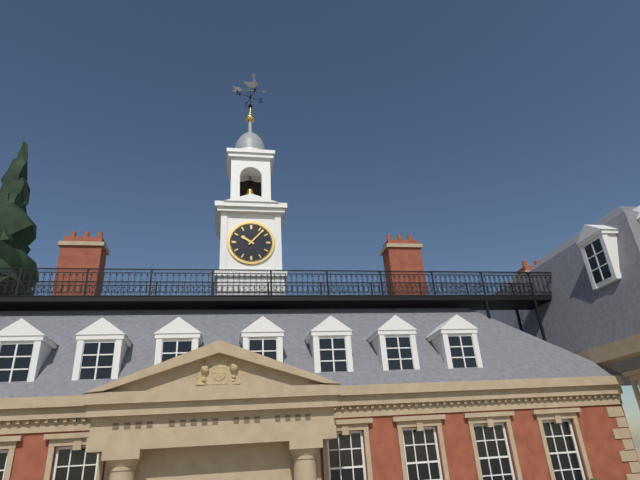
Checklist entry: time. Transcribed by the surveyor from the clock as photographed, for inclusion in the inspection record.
10:07
